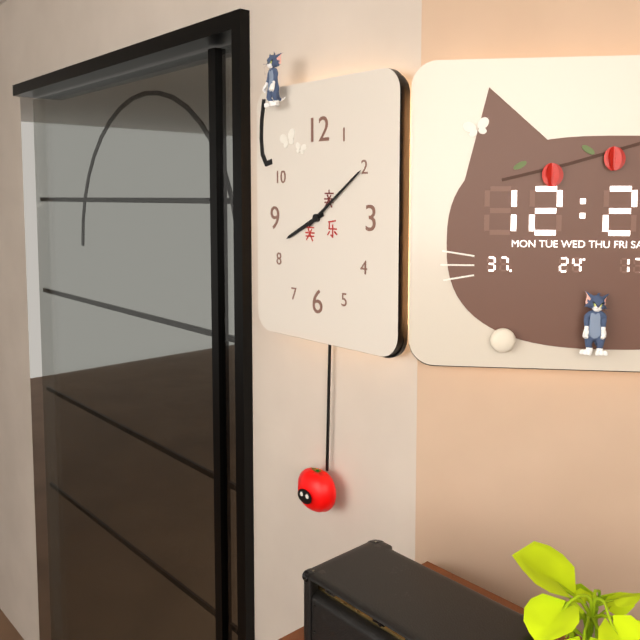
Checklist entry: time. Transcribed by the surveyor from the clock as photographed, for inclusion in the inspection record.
8:09
